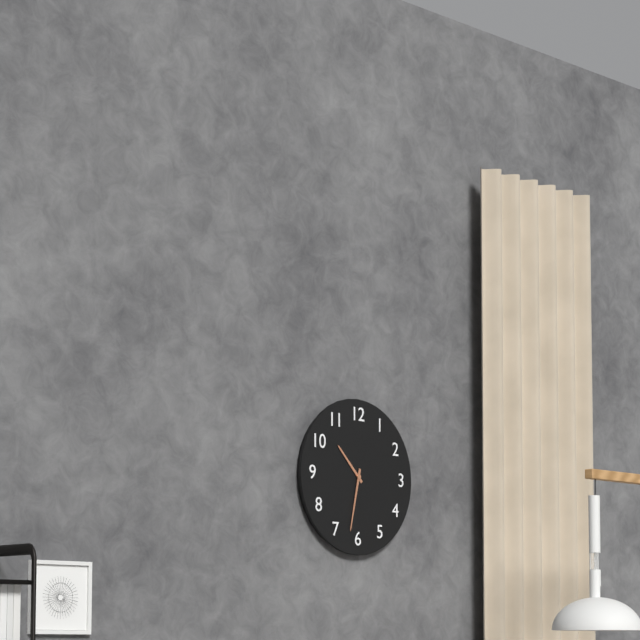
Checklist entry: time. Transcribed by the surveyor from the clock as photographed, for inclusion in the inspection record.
10:32
